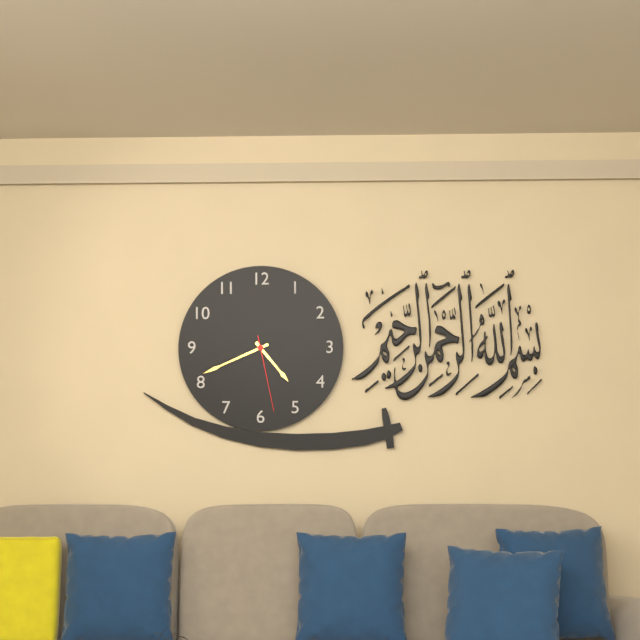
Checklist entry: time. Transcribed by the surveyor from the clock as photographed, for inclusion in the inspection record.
4:41:28
